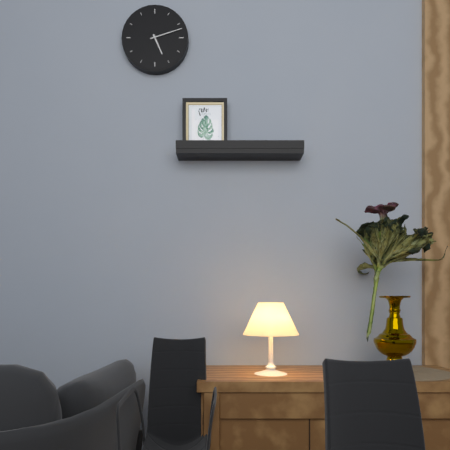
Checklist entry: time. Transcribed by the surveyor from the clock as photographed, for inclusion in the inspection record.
5:12
